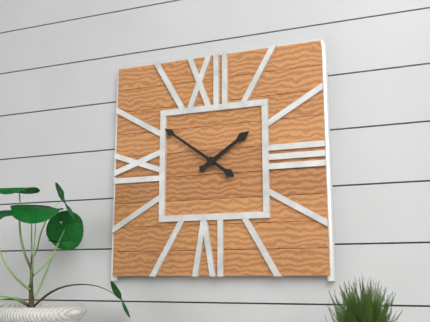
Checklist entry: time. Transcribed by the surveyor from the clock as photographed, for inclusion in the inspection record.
1:51
